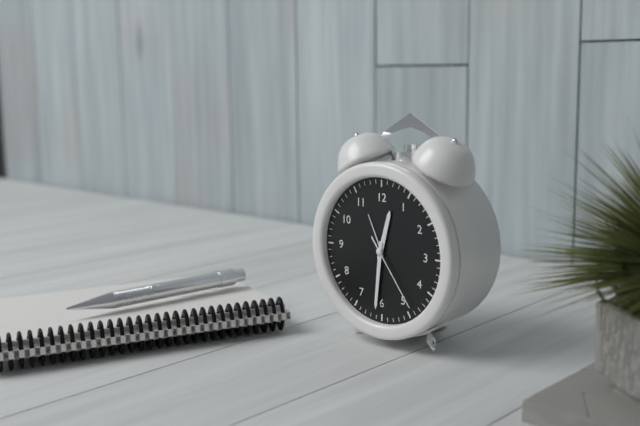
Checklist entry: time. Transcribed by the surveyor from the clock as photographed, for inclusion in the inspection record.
12:31:24
